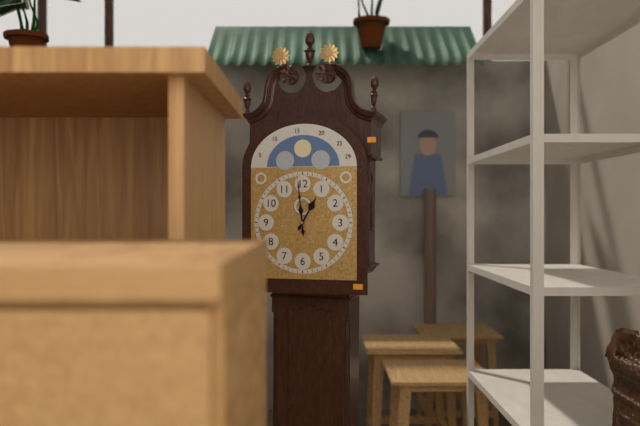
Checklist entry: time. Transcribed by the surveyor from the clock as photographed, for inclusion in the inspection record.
12:59
